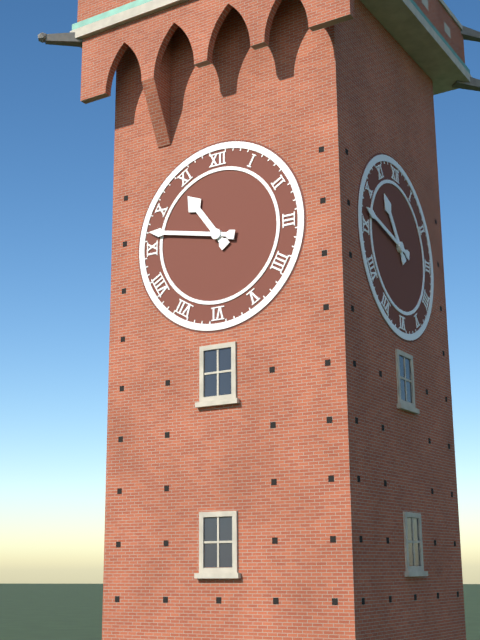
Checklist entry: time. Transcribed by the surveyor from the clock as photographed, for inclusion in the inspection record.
10:47
